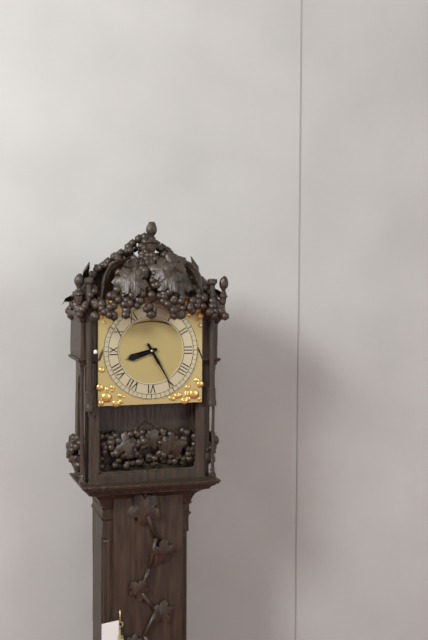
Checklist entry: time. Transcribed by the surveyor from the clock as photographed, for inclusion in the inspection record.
8:25
